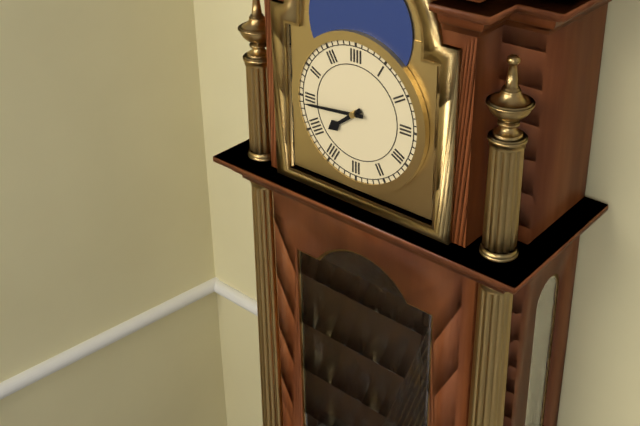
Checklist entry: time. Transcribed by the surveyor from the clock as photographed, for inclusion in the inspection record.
7:44
